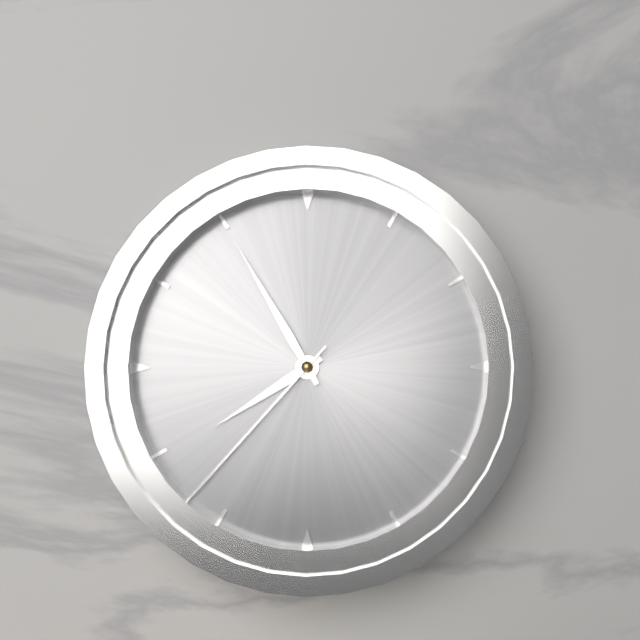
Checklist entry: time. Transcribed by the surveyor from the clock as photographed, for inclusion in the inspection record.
7:55:37
